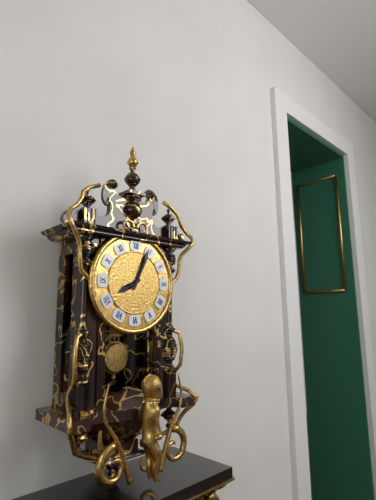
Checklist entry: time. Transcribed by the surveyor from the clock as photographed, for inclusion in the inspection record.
8:04
